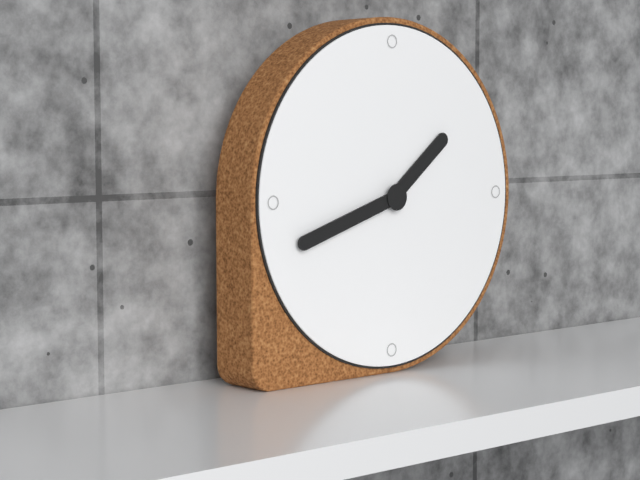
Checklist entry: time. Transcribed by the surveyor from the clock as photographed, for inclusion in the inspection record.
1:42
